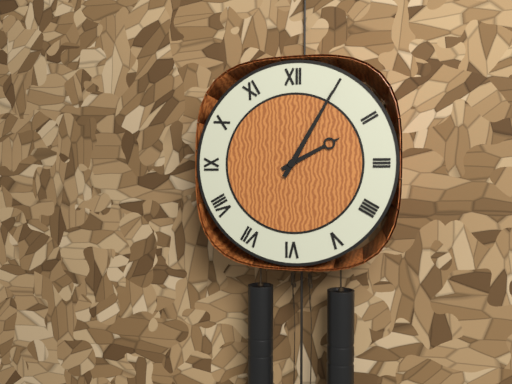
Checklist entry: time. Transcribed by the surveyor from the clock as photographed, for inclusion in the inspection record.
2:05
